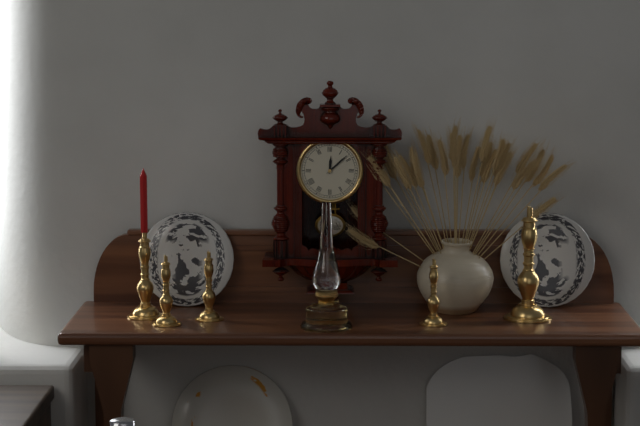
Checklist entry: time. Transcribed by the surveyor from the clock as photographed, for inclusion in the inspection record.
12:08
